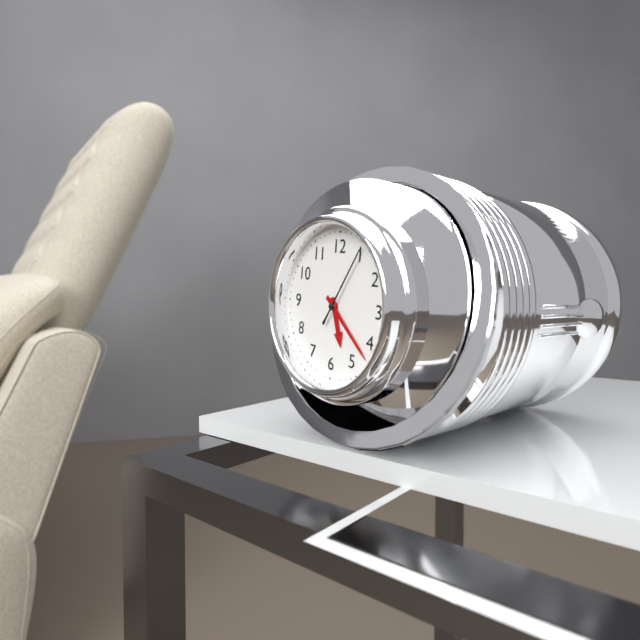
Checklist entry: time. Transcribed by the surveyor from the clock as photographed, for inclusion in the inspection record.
5:22:05
